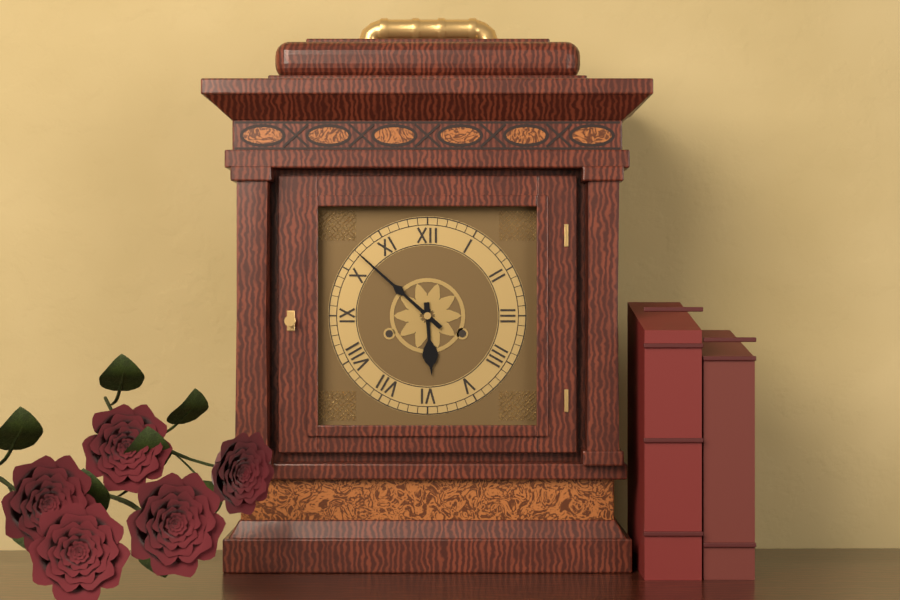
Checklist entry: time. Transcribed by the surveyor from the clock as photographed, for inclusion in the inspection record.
5:52
